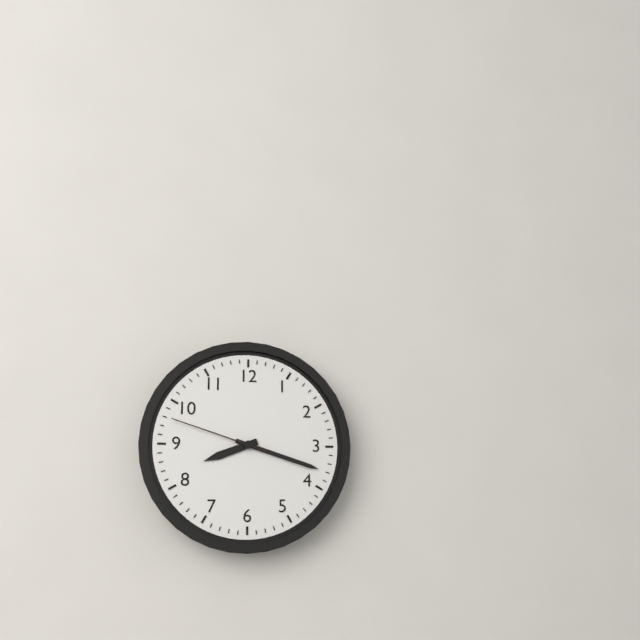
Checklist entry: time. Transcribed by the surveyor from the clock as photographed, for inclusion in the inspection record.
8:18:48
